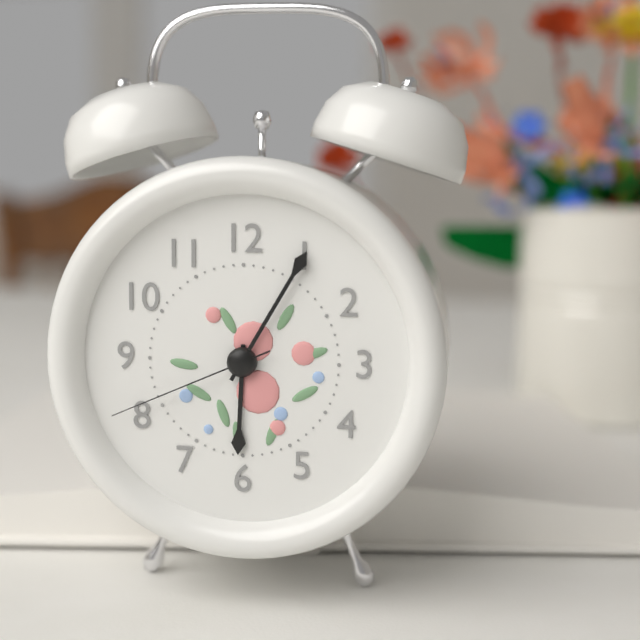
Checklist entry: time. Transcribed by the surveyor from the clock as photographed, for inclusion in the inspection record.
6:05:41
